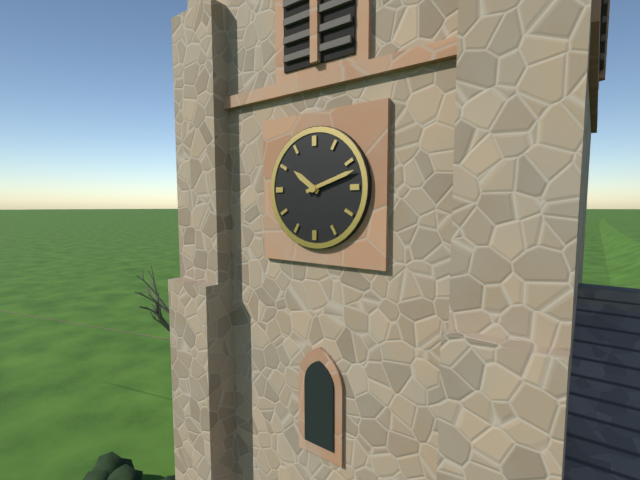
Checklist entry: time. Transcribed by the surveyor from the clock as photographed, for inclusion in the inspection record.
10:12
